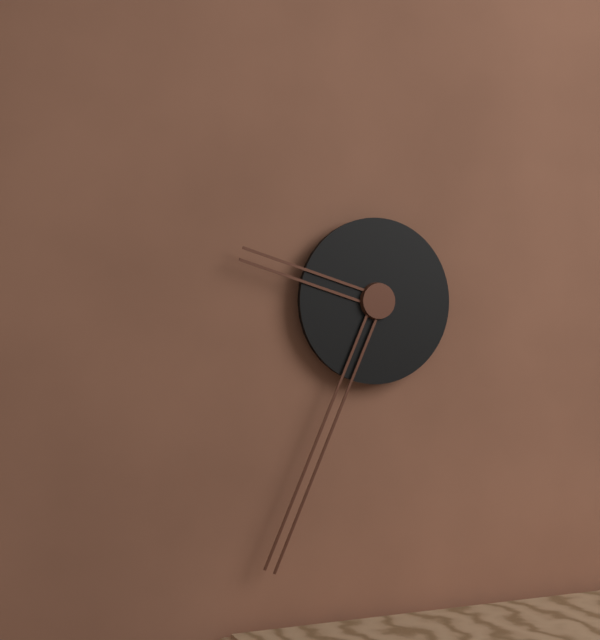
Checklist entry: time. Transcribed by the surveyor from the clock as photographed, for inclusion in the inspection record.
9:34
